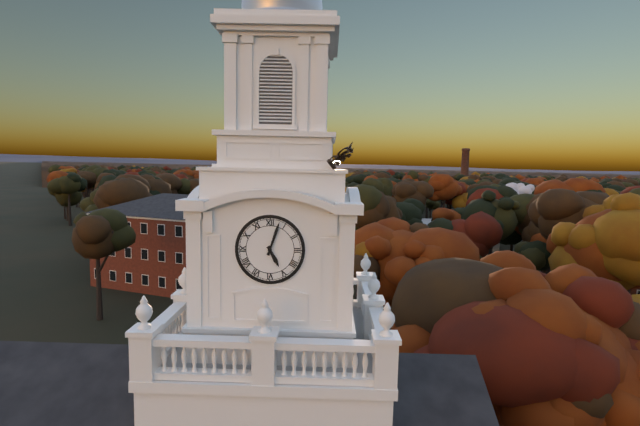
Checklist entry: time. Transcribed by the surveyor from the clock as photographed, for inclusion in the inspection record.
5:03
